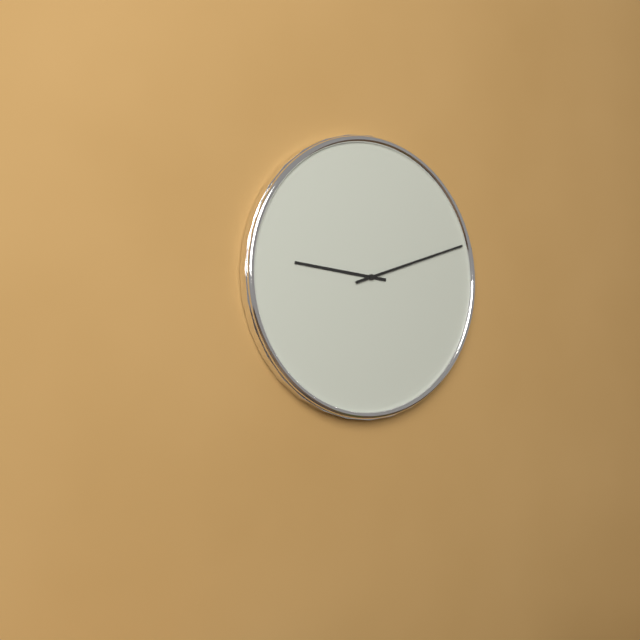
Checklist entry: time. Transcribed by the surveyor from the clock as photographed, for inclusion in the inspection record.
9:12
